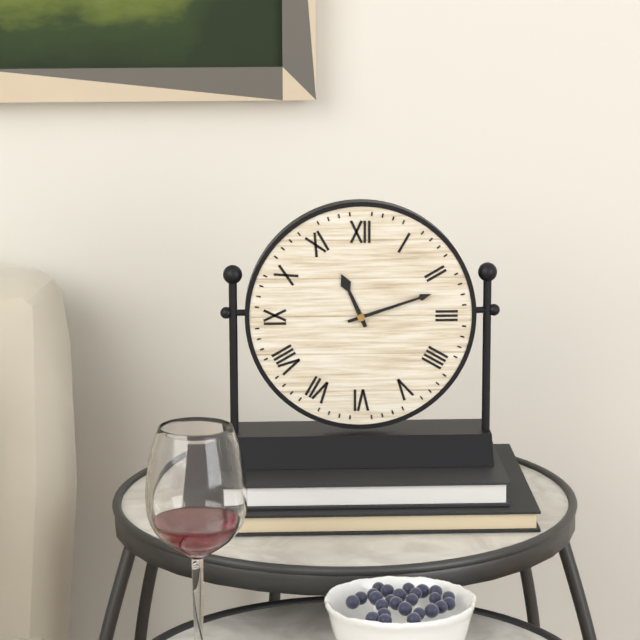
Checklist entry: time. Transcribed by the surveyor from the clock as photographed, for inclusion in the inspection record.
11:12
